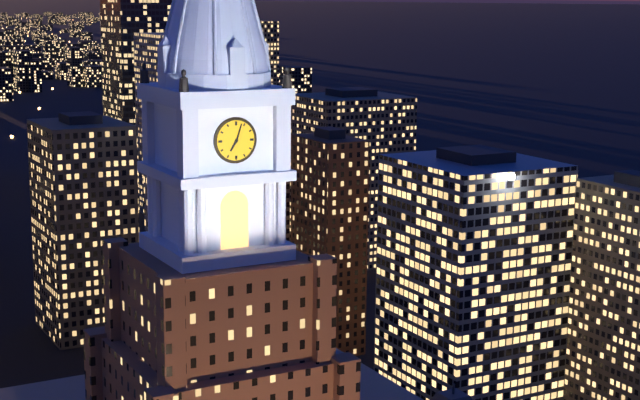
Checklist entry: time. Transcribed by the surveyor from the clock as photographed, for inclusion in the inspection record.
7:03
